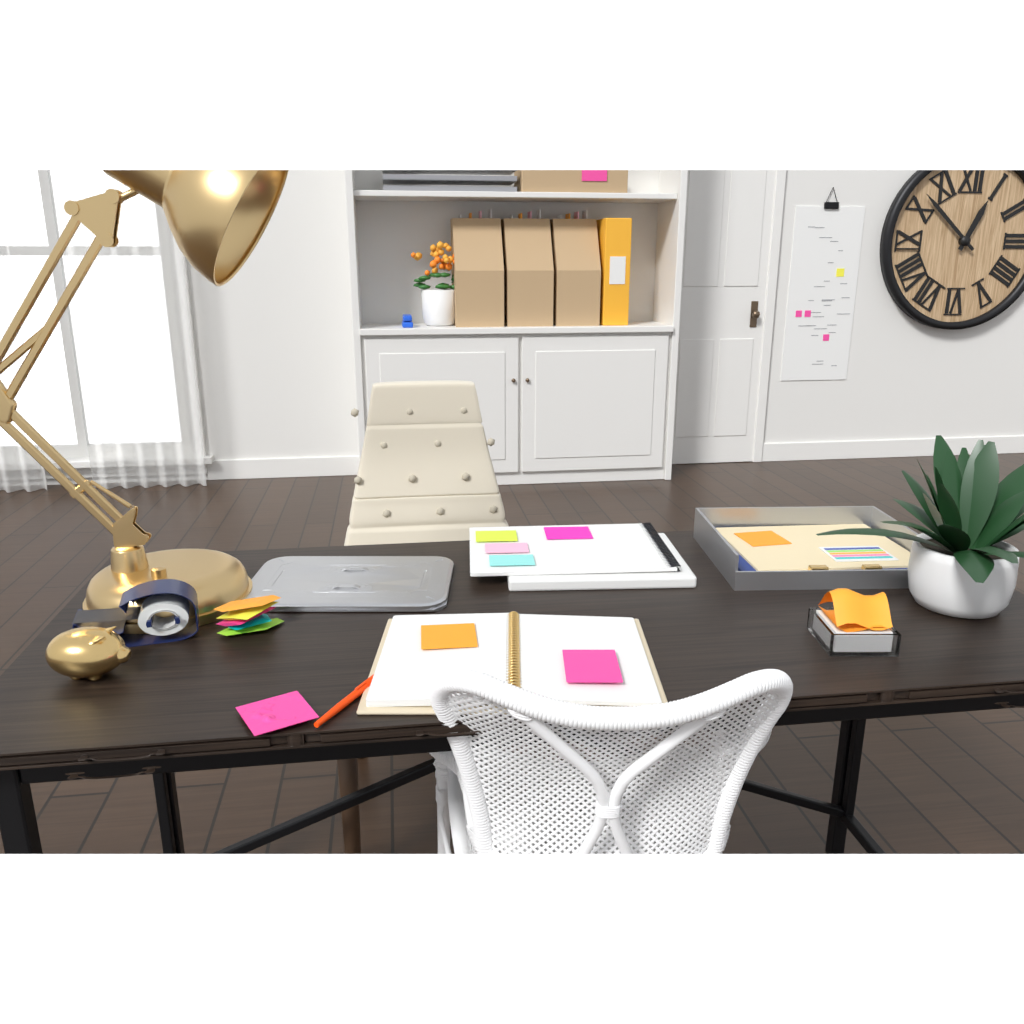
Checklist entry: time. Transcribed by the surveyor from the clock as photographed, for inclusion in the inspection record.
12:52
